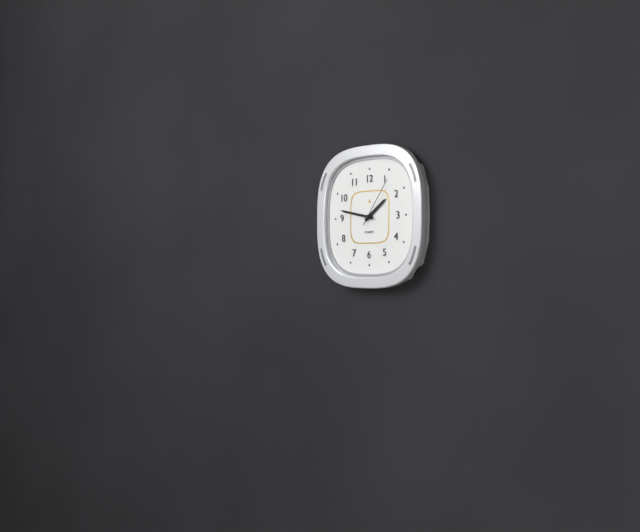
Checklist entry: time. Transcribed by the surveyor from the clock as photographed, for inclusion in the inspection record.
1:47:06
